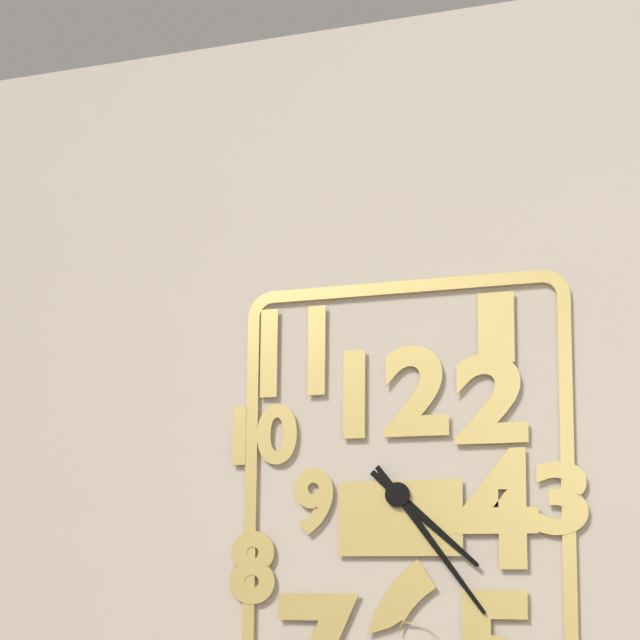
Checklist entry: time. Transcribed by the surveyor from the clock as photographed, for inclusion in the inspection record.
4:24
